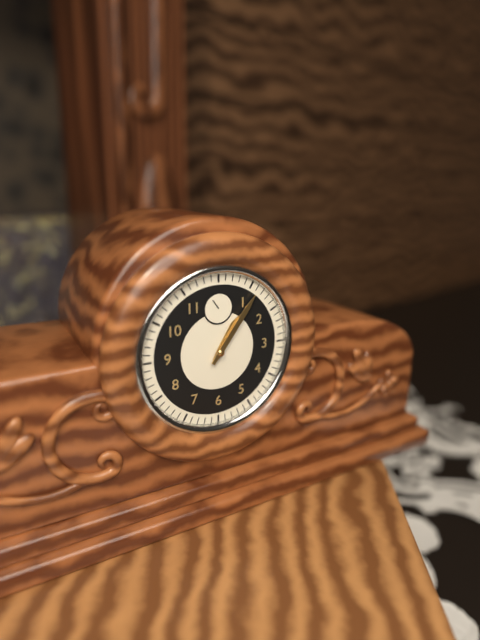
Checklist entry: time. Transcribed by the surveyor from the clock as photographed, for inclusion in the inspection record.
1:06
